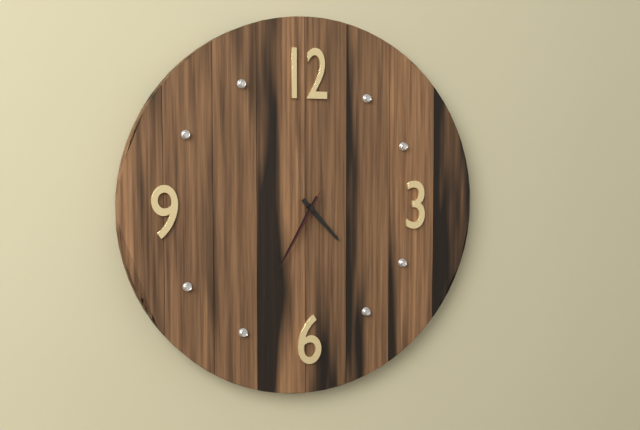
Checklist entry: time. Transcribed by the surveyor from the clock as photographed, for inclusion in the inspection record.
4:35:35
